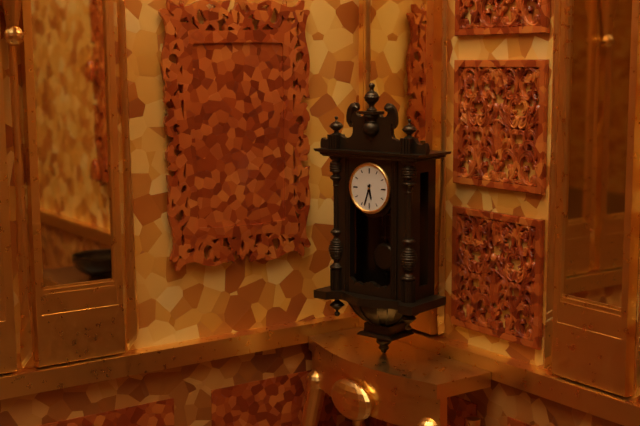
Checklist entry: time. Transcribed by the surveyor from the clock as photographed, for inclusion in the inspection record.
5:33
